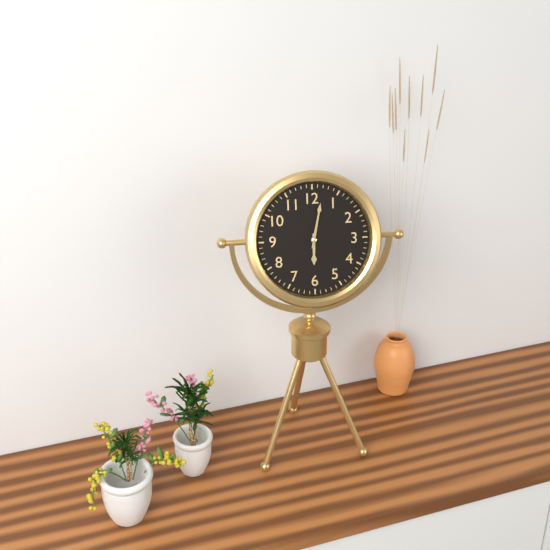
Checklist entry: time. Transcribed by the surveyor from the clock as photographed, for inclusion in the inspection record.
6:02
